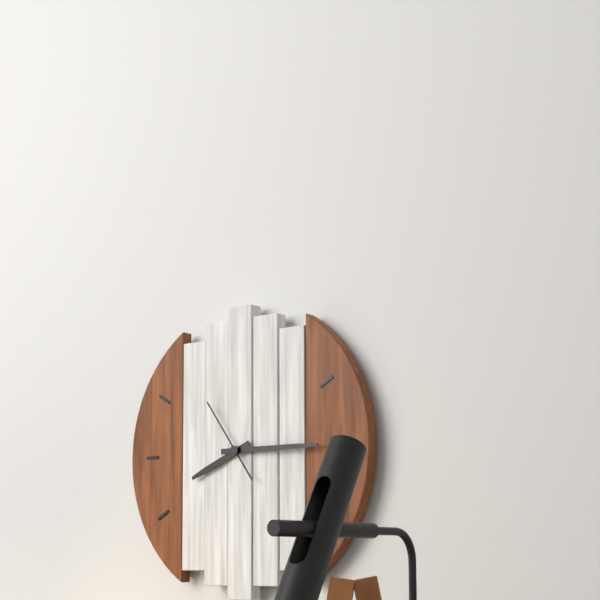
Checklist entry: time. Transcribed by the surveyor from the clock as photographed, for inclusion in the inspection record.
8:15:54
